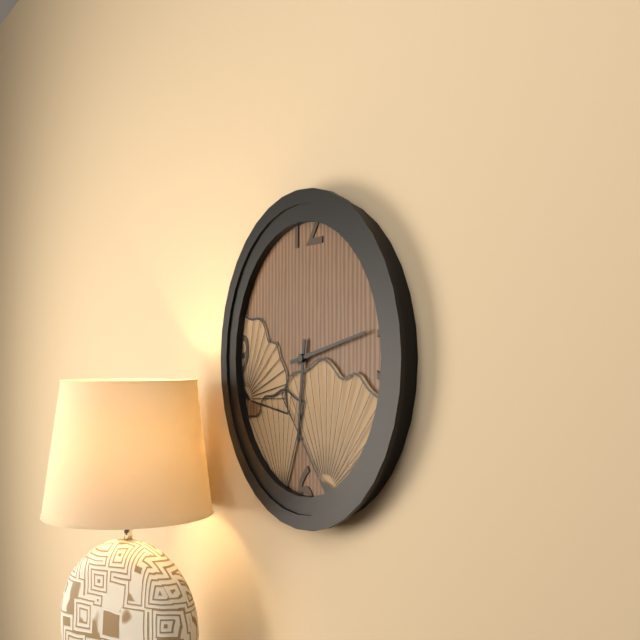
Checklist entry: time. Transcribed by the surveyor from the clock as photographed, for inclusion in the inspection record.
6:13
